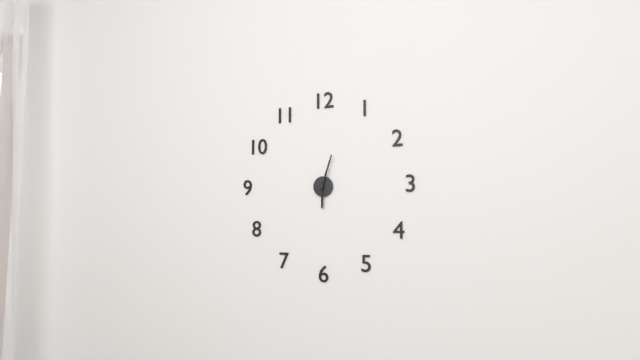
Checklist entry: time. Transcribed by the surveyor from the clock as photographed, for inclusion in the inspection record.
6:03
